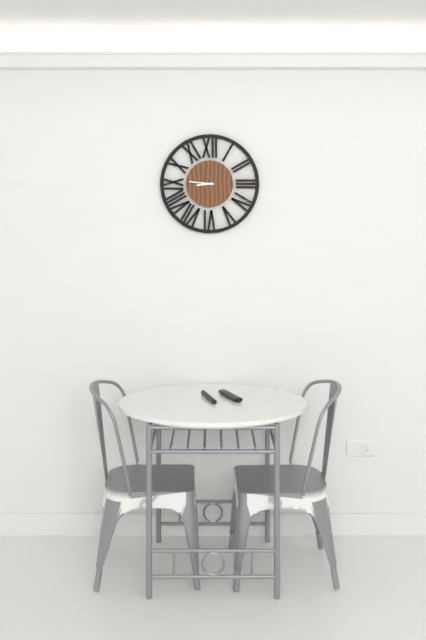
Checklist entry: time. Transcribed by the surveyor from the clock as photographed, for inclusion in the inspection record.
8:46
